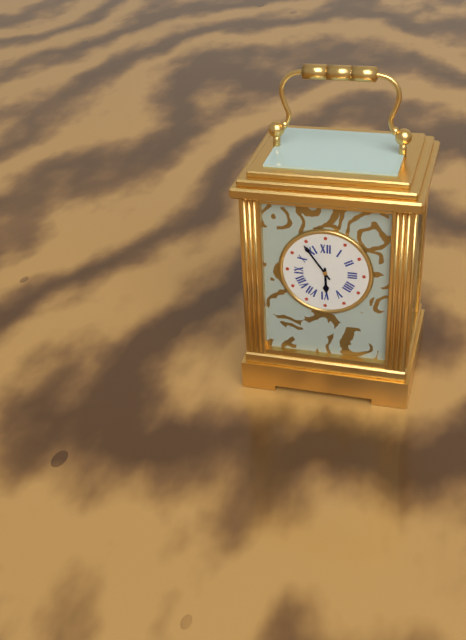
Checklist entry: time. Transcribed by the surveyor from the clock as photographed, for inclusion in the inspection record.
5:54
